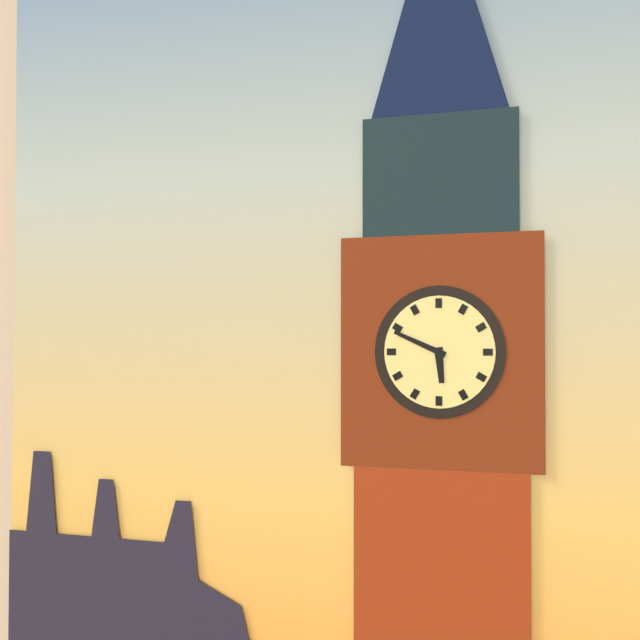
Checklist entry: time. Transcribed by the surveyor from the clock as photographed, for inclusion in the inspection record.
5:49
